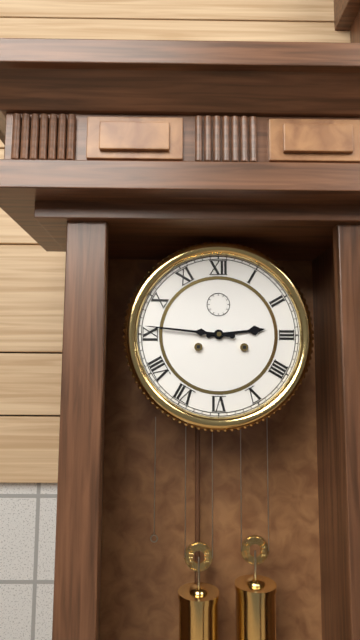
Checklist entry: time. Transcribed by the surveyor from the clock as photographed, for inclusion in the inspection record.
2:46
